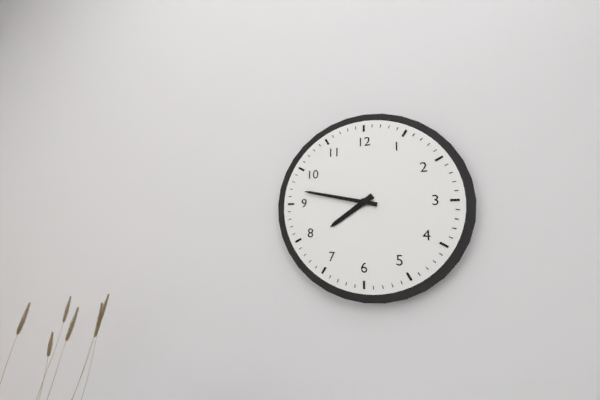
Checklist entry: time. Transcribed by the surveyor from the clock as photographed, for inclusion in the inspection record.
7:47
